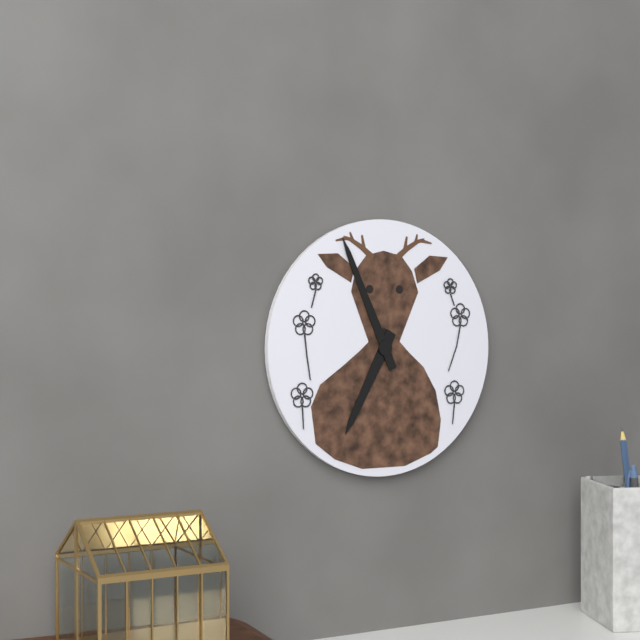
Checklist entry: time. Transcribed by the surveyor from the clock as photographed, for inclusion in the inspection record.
6:56
